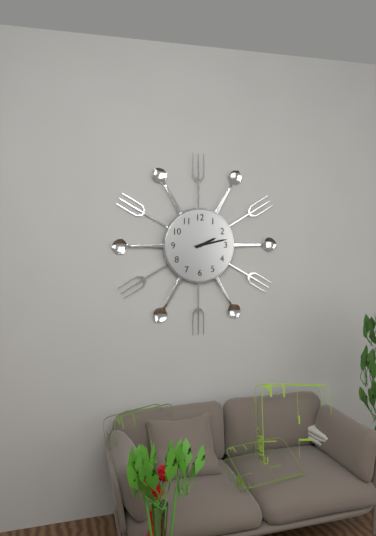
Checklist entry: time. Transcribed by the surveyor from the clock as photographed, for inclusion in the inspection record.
2:13
